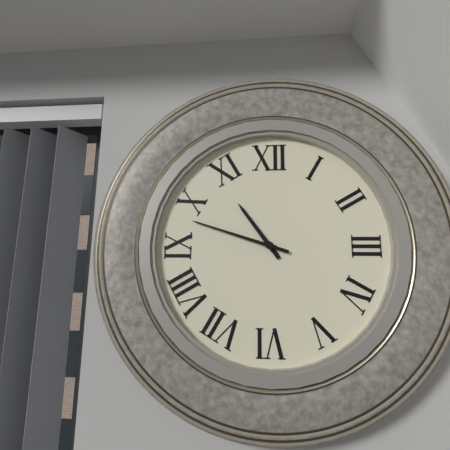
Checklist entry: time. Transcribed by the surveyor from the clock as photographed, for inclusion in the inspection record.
10:48
